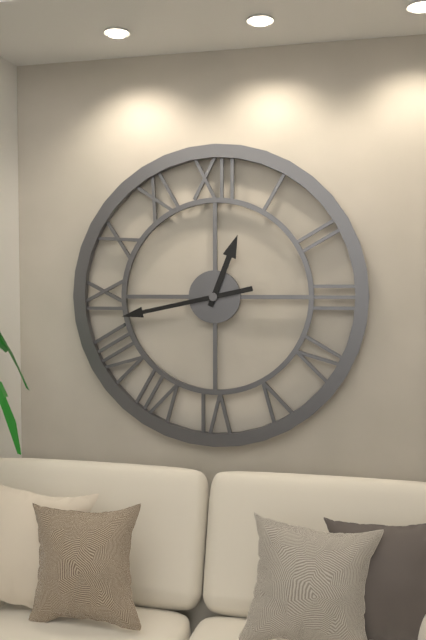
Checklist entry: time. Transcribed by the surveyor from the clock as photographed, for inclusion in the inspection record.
12:43
